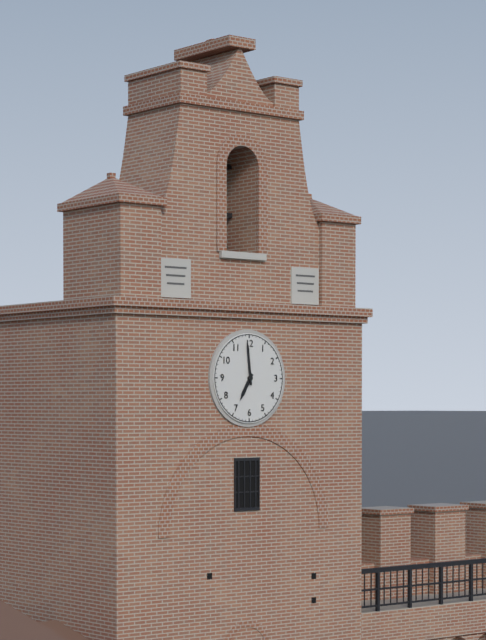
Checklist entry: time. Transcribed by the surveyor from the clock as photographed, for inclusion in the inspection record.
6:59
